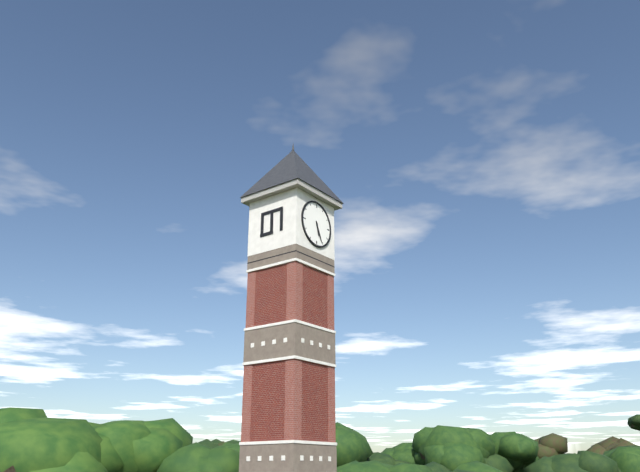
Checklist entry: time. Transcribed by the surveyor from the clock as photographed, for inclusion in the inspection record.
5:26
